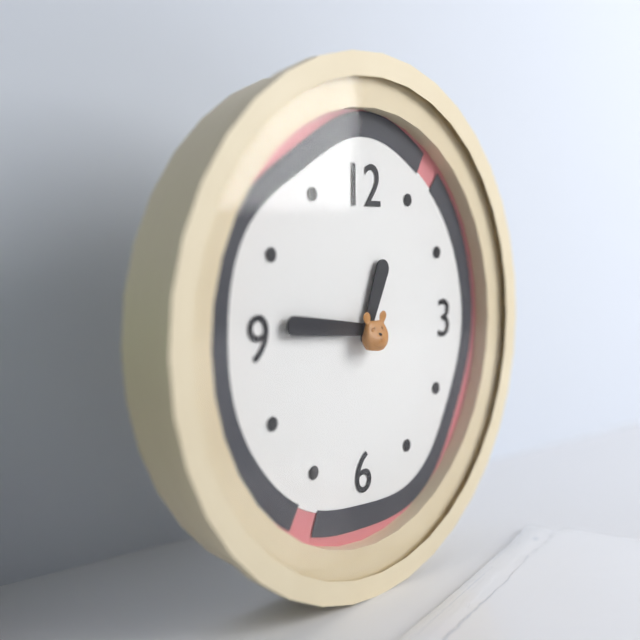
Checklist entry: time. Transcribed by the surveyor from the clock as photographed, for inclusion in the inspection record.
12:46
